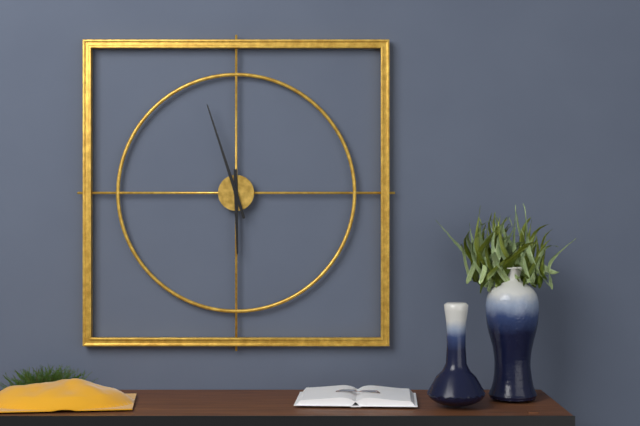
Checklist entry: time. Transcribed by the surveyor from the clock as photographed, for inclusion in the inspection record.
5:57
